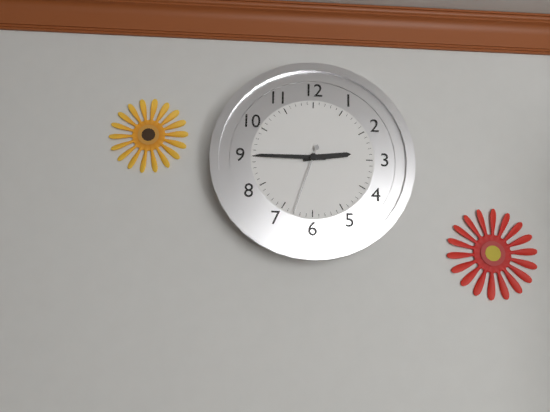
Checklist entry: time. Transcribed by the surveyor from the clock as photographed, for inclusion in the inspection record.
2:45:33
